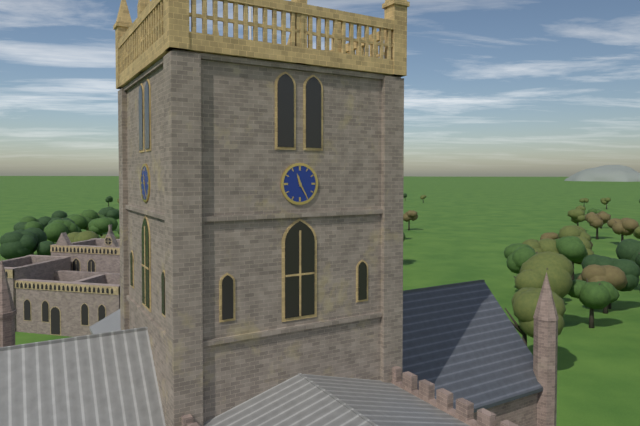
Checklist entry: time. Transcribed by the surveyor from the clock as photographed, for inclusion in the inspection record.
11:25
